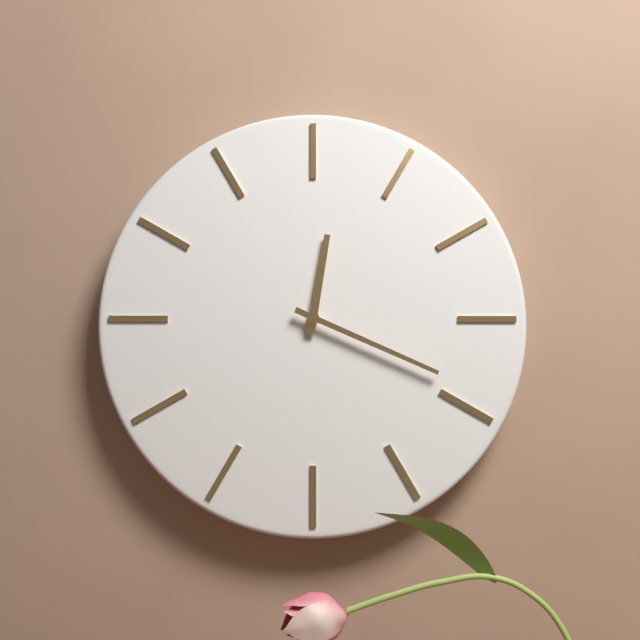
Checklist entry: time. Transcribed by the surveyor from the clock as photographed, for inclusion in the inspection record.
12:19
